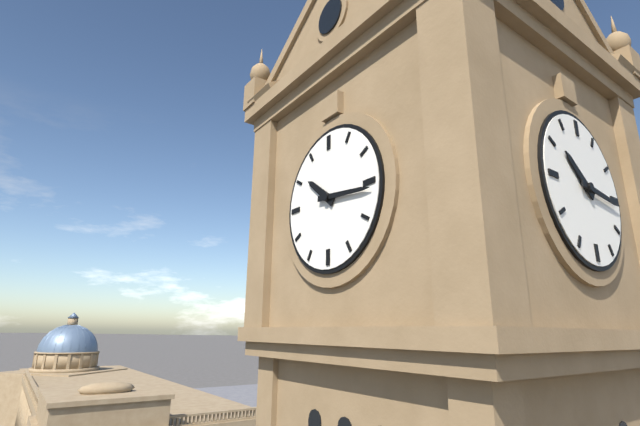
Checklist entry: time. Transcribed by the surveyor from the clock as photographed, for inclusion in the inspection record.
10:16
